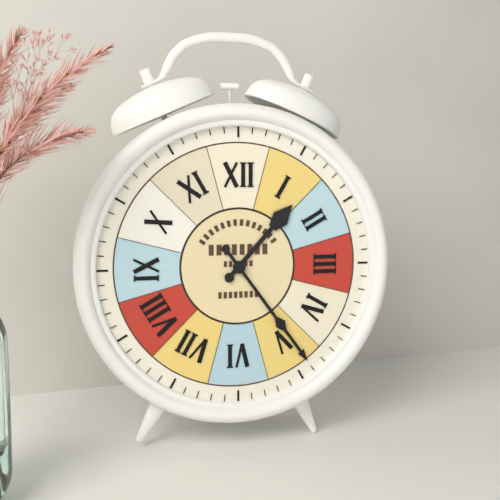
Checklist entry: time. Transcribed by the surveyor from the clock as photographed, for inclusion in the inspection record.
1:24
